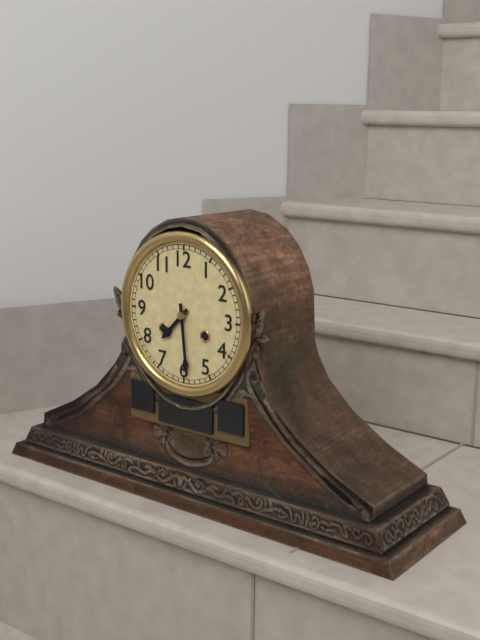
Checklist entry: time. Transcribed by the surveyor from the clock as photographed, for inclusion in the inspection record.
7:29
